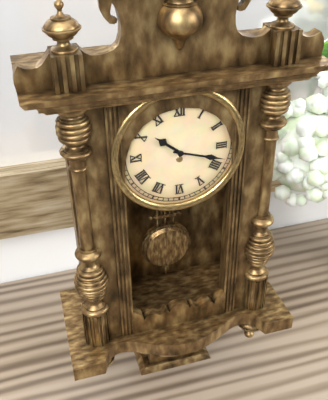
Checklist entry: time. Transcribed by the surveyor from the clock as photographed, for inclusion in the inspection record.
10:18
